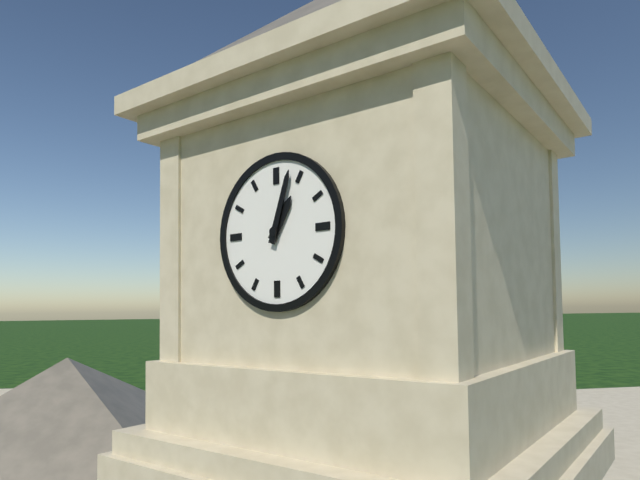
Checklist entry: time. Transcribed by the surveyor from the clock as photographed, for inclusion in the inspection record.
1:03
